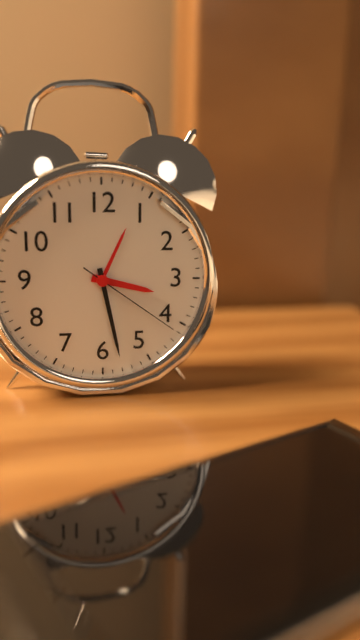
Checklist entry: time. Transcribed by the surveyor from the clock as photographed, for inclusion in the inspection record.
3:28:21
